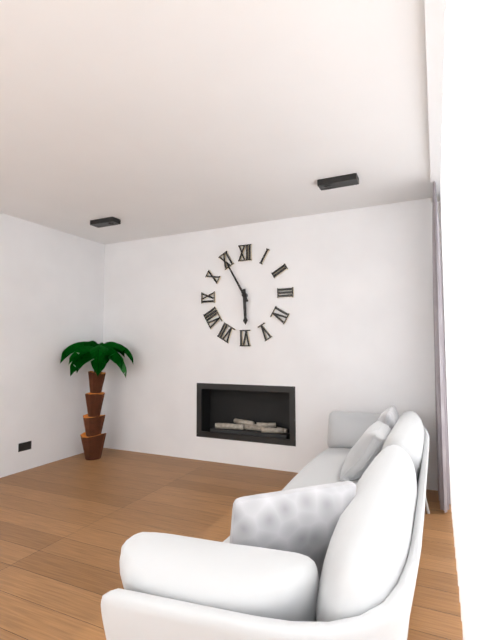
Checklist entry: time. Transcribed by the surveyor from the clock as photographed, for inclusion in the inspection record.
5:55
